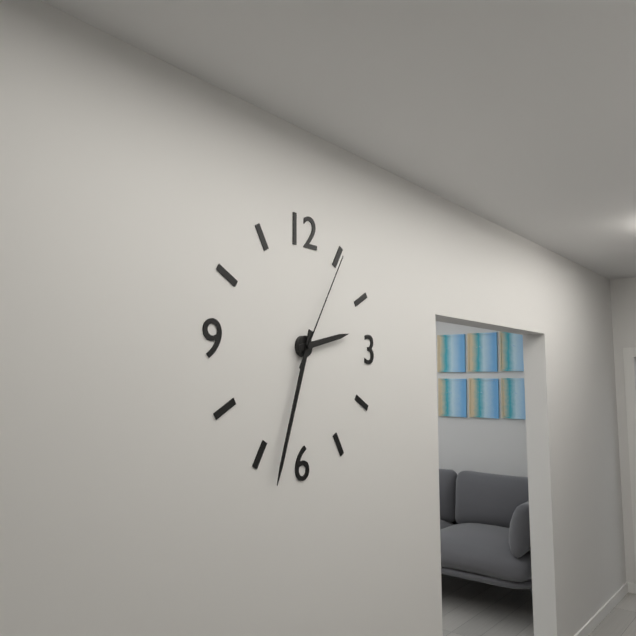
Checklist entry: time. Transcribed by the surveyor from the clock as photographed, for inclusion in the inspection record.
2:33:05
